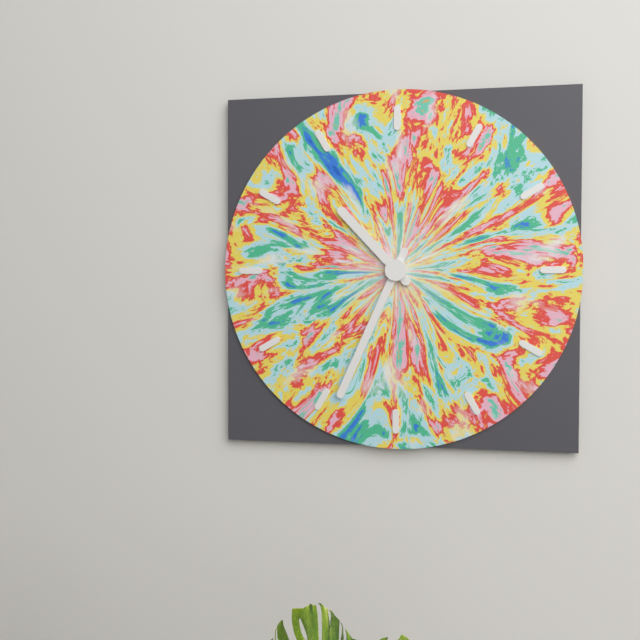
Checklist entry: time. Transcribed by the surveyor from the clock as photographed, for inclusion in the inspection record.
10:34
